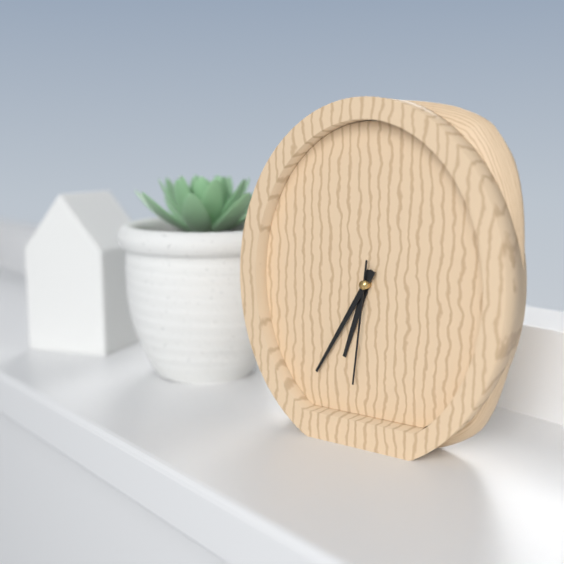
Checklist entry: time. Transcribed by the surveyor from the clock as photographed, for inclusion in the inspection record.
6:35:31
